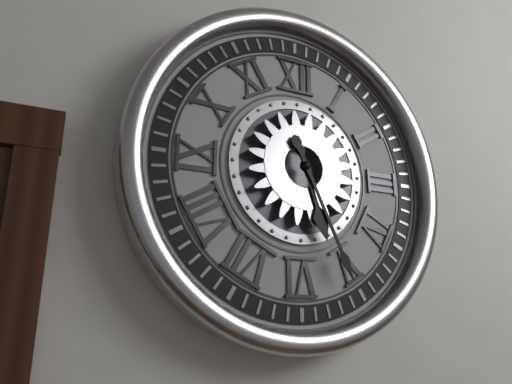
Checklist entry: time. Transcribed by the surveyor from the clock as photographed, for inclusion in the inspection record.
5:26
